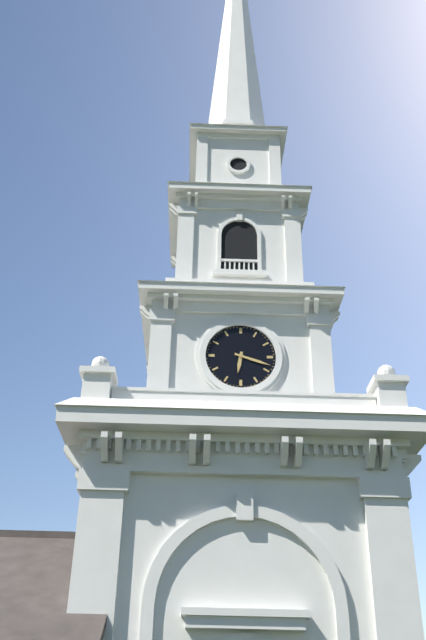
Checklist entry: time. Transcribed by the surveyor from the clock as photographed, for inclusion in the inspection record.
6:18
